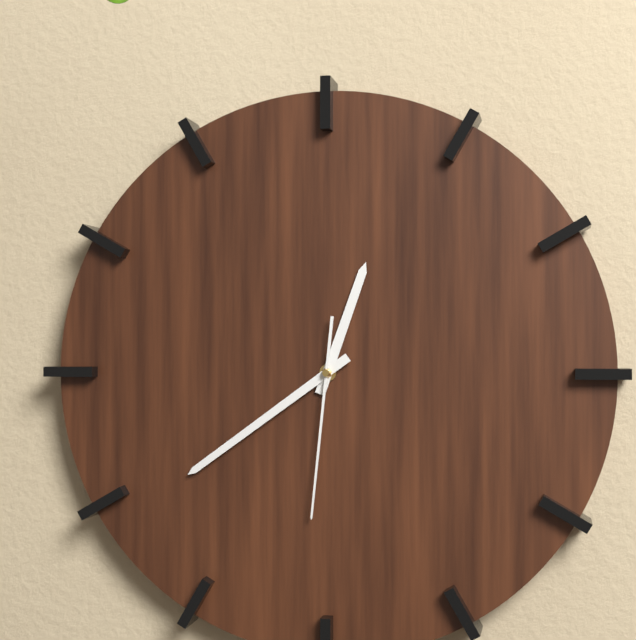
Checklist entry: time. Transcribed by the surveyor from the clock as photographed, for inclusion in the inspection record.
12:39:31
